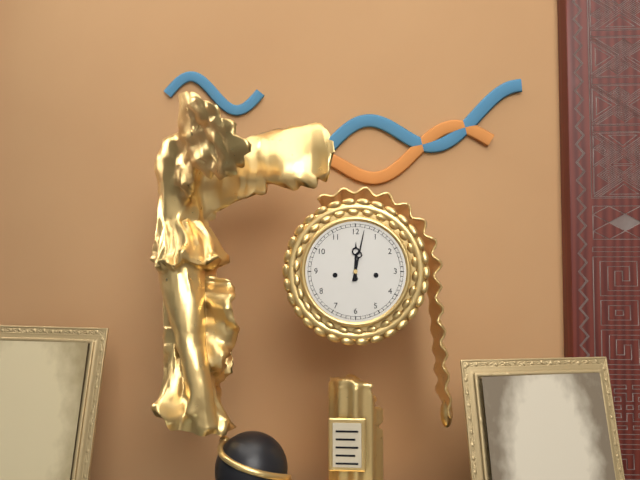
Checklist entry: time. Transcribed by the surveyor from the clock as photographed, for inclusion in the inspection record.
12:02
